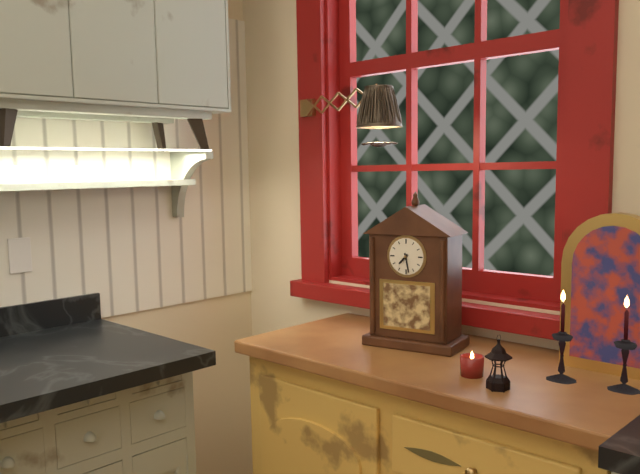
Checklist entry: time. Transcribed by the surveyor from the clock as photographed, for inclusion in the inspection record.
7:28
